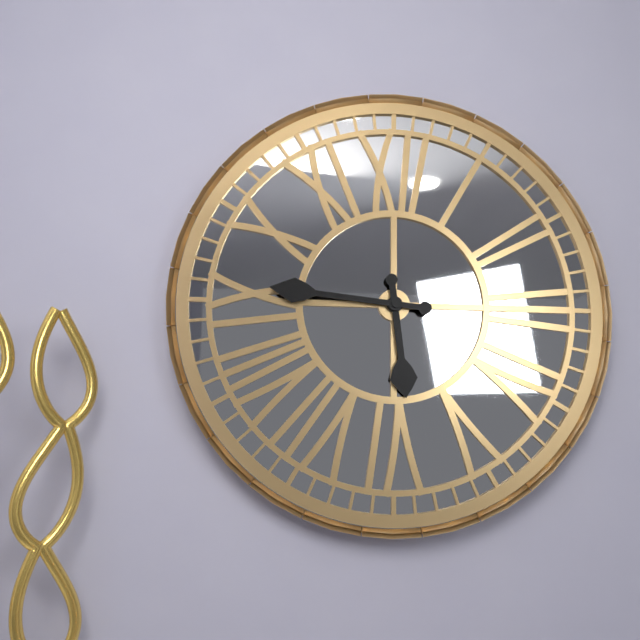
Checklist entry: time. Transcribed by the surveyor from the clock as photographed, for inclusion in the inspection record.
5:46
